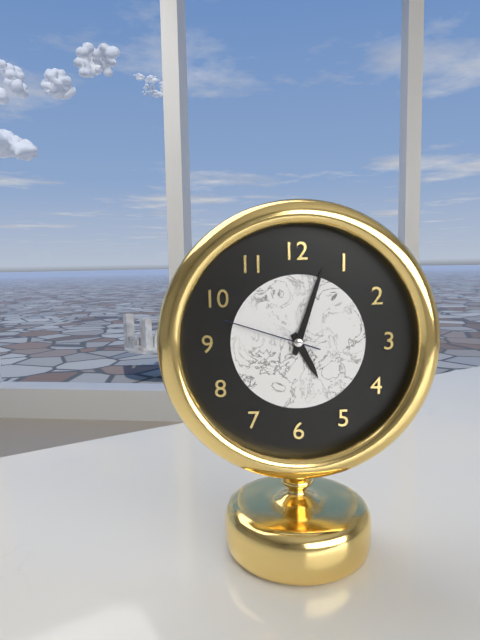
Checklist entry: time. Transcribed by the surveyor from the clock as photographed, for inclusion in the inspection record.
5:03:48
